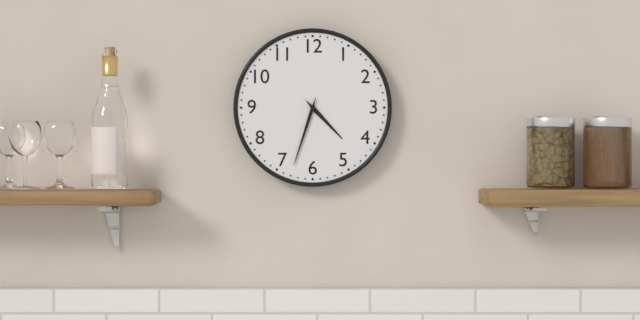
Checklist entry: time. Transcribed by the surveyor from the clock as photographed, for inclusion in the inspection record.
4:33
